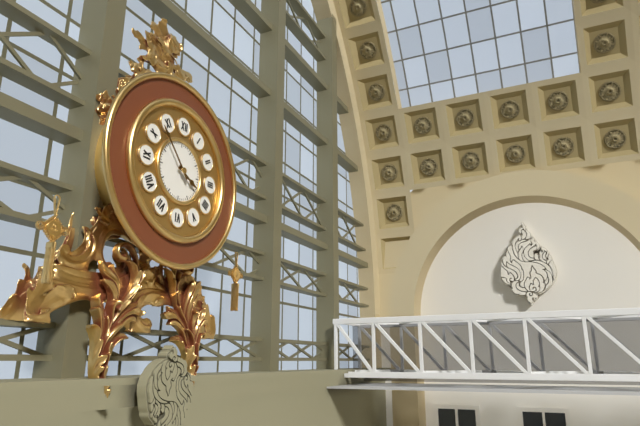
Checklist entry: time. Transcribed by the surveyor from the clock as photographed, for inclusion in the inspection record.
3:53
